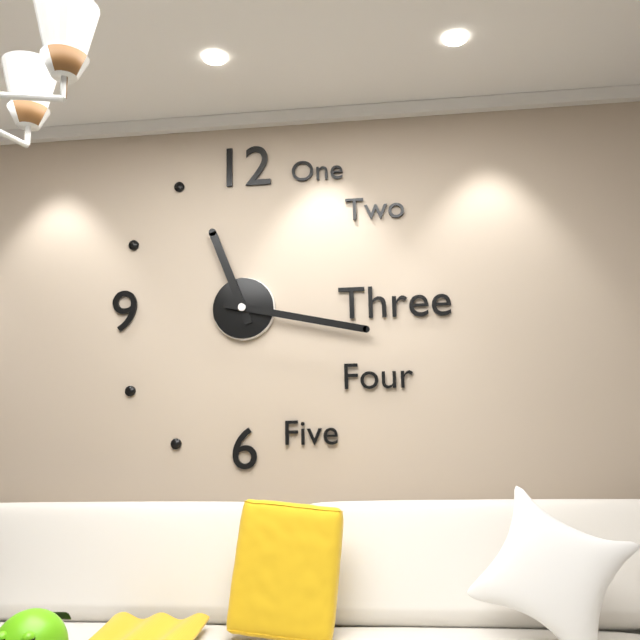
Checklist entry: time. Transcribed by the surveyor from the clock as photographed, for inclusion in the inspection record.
11:17
